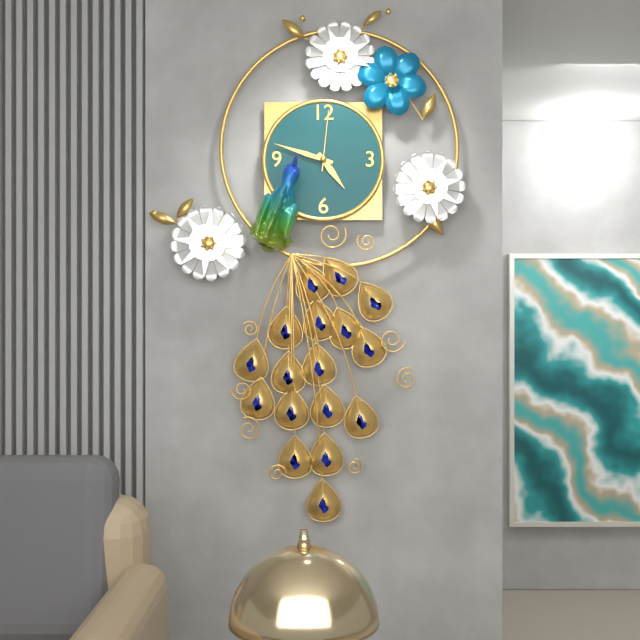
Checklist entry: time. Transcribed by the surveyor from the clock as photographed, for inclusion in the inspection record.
4:48:01
